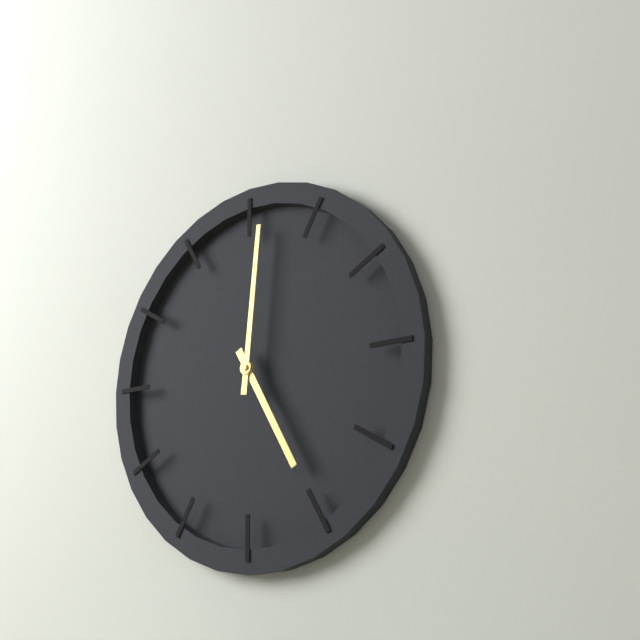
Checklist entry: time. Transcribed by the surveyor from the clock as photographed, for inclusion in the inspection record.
5:01
